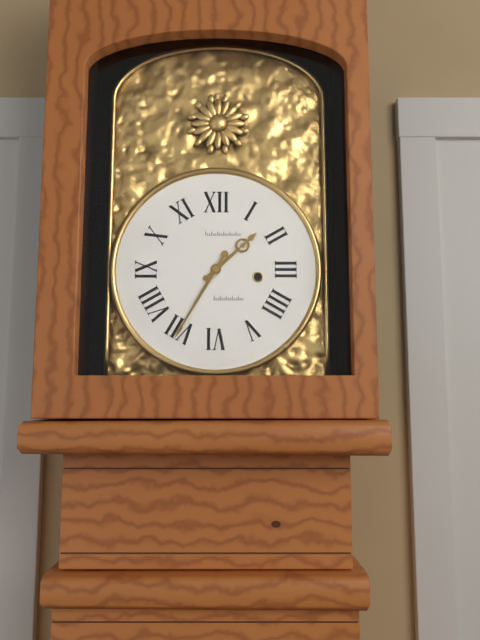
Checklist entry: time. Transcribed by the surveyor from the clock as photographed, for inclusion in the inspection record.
1:35
